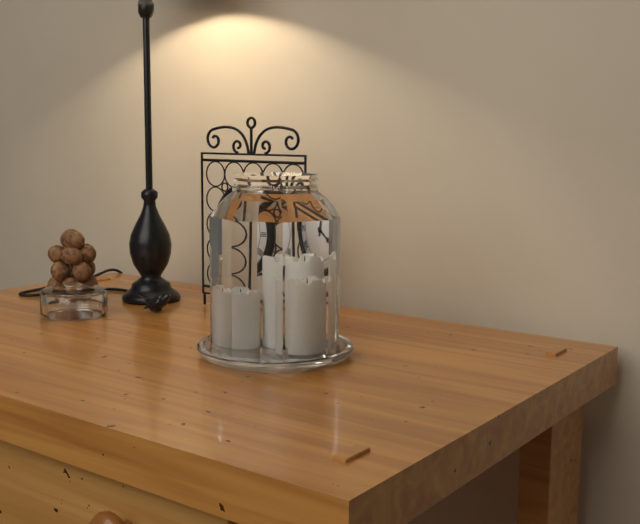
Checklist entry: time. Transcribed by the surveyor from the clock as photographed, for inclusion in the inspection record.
4:02
